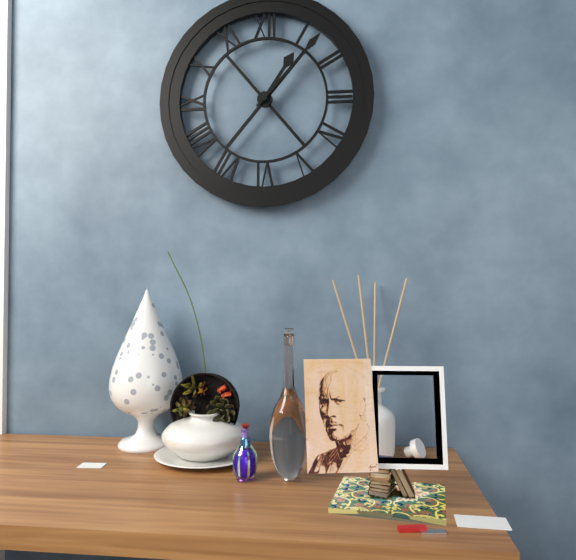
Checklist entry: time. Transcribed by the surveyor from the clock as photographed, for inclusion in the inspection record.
1:07
